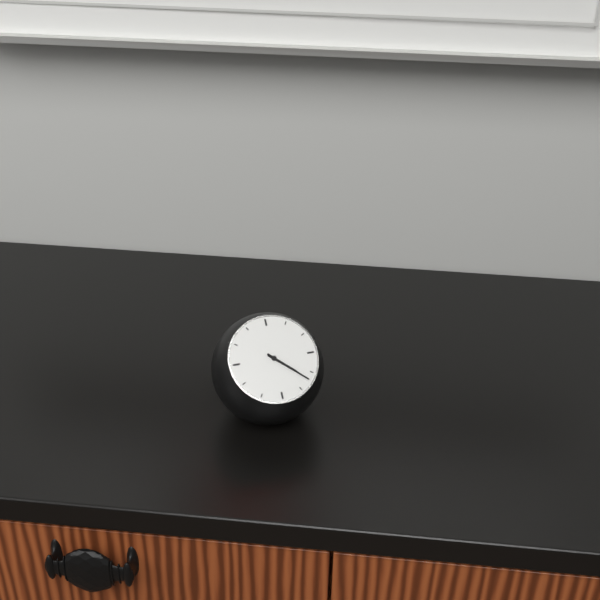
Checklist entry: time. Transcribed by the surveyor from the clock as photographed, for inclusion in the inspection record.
4:22
